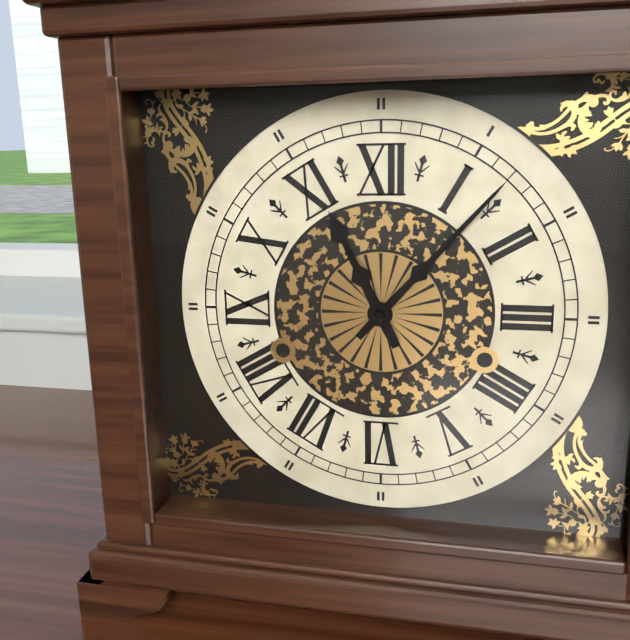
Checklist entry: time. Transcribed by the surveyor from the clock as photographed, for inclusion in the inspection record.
11:07
